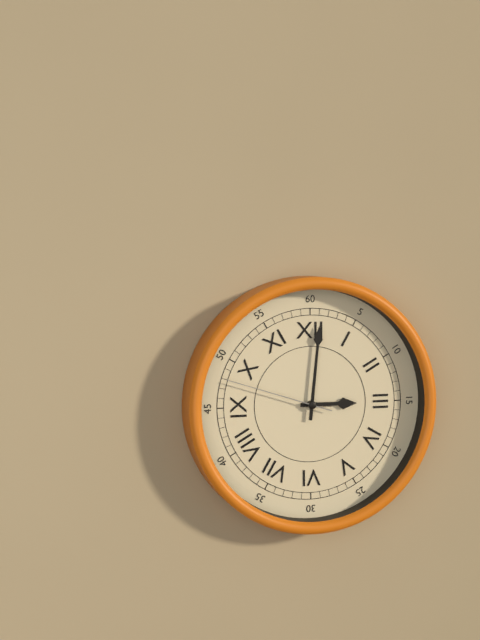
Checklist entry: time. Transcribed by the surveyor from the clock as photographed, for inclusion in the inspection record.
3:01:48
